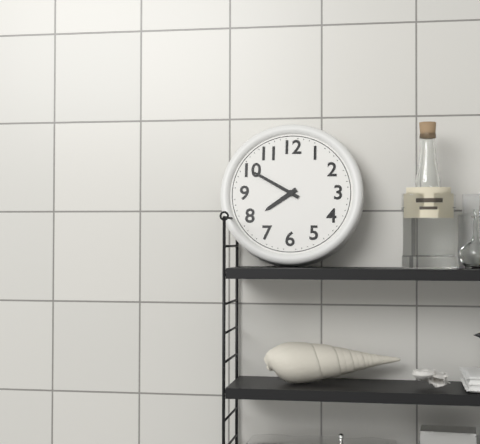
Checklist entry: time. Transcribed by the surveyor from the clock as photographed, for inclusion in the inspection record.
7:50
